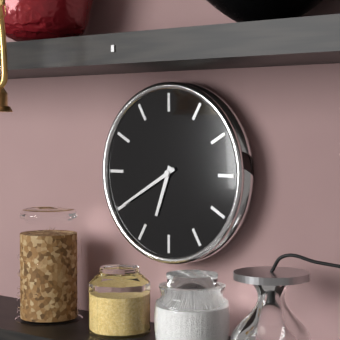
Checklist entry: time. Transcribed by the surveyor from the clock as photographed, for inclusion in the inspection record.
6:40
